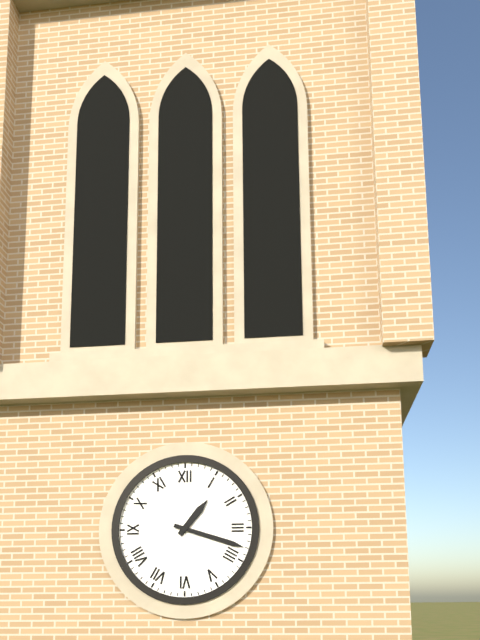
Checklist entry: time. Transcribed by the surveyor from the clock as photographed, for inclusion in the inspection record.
1:18
